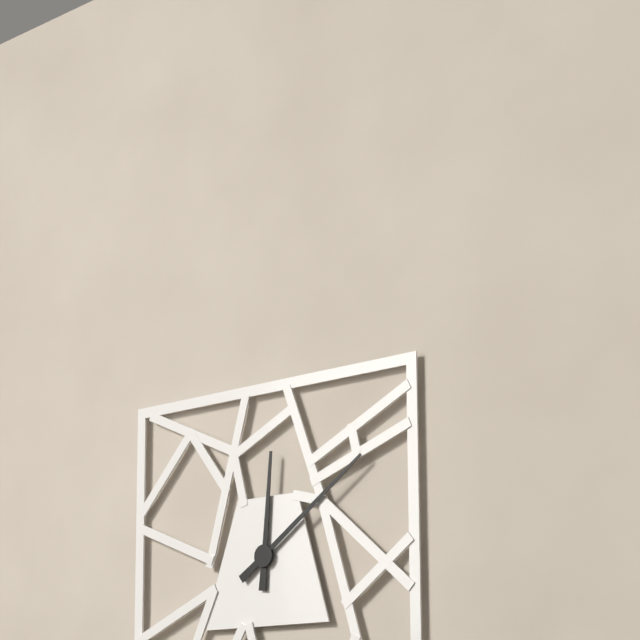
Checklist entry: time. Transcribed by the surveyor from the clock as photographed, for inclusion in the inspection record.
12:09
